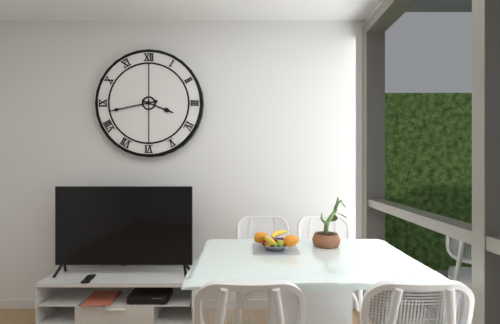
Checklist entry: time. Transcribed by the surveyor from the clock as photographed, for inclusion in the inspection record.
3:43
